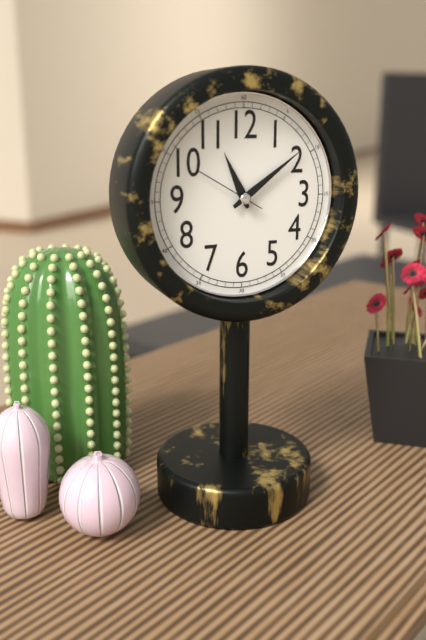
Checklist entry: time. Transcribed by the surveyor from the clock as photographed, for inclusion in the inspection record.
11:09:50
